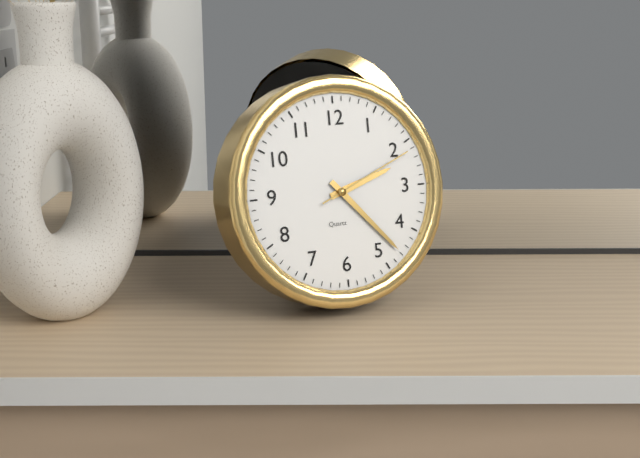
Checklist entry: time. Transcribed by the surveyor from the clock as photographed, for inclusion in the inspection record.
2:23:11
